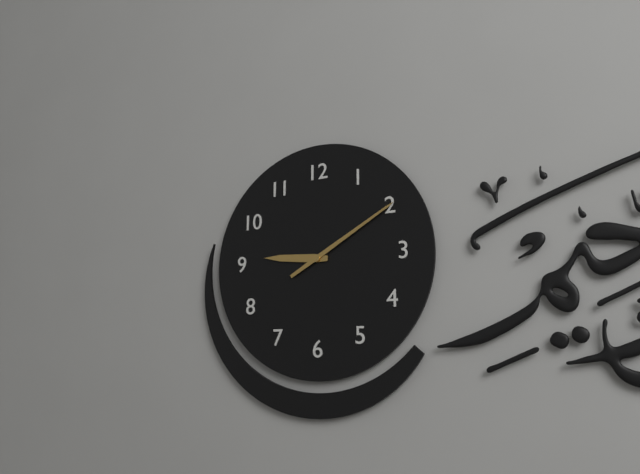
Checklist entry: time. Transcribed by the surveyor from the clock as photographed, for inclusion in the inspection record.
9:10
